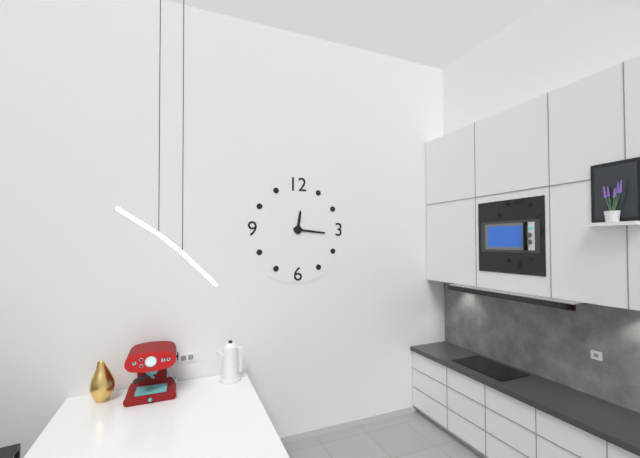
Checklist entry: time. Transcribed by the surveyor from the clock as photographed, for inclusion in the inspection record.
12:16
